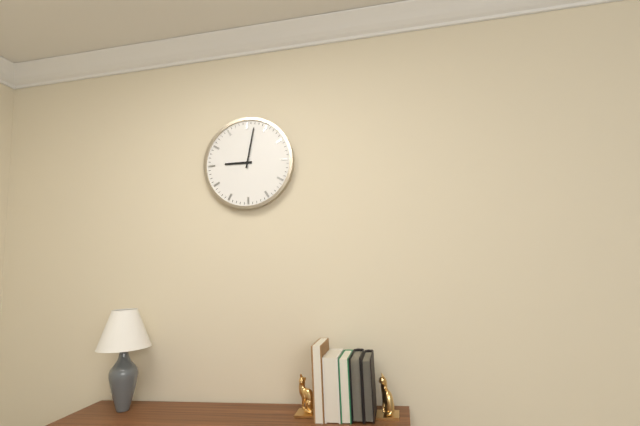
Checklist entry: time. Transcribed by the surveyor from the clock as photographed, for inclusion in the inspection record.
9:02
